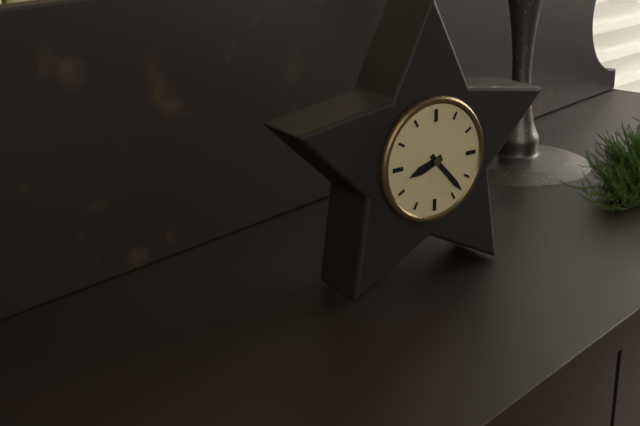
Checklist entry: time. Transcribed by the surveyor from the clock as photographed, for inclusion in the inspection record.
8:23
